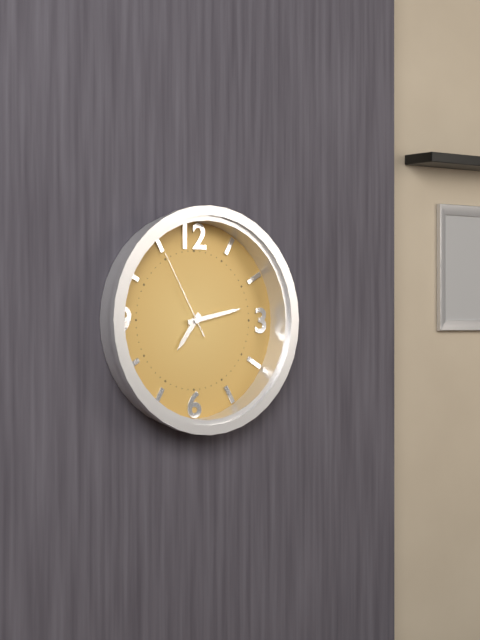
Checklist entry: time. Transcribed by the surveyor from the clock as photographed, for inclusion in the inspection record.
7:13:55
